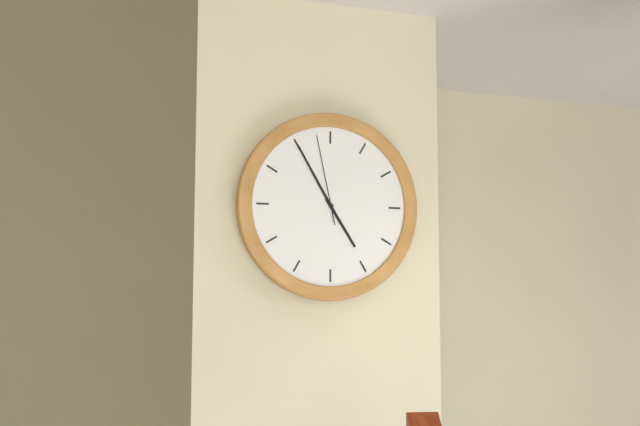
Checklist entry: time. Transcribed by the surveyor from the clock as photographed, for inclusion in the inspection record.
4:55:58
